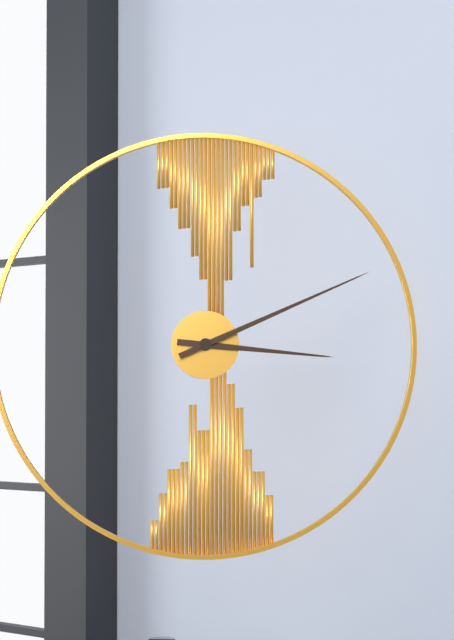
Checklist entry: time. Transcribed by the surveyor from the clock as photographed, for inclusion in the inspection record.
3:11
